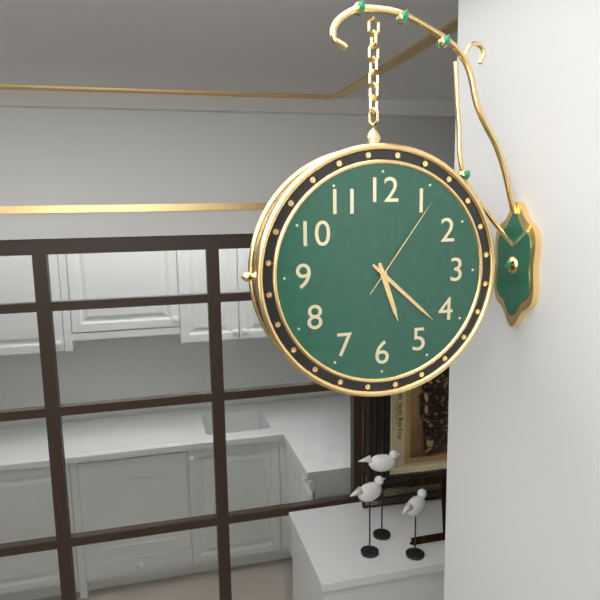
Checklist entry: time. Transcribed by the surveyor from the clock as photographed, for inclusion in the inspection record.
5:22:06
